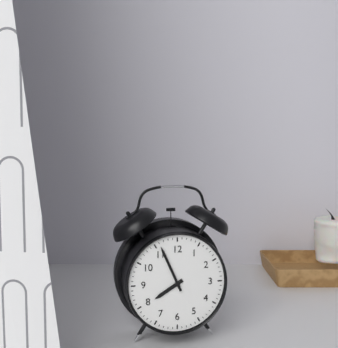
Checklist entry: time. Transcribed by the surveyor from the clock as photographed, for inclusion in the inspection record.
7:56
